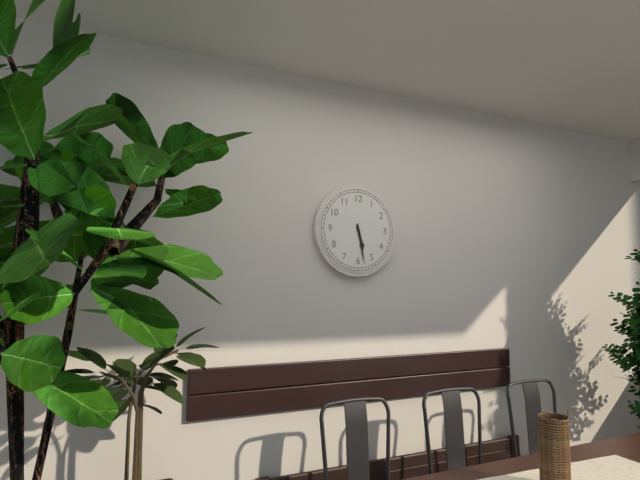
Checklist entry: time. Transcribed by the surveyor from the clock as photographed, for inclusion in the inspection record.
5:28
